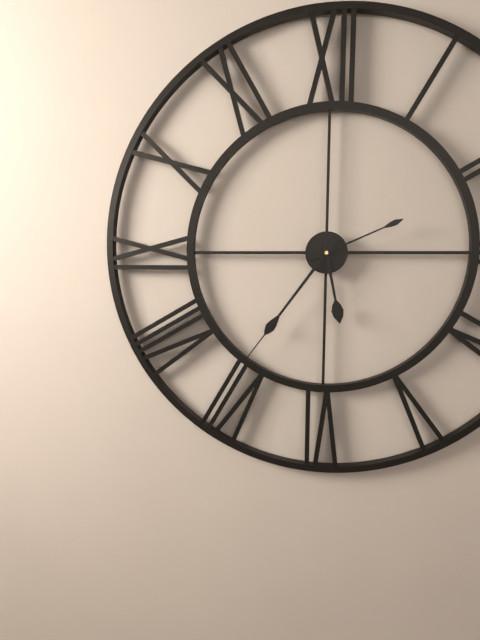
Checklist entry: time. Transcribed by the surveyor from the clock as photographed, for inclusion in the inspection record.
5:36:11
